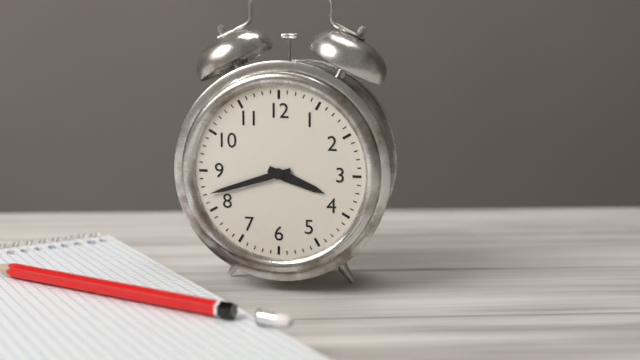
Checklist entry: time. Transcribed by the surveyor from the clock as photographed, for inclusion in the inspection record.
3:42
